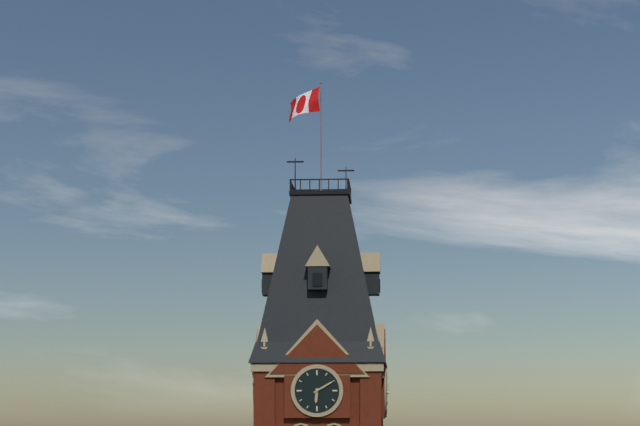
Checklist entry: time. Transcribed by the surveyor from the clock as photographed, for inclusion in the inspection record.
6:10
